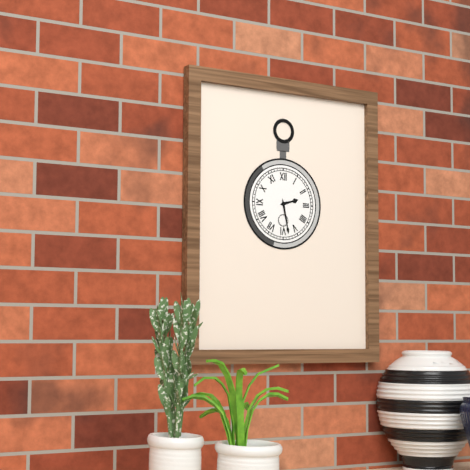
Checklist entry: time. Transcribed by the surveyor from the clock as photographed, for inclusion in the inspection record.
2:28
